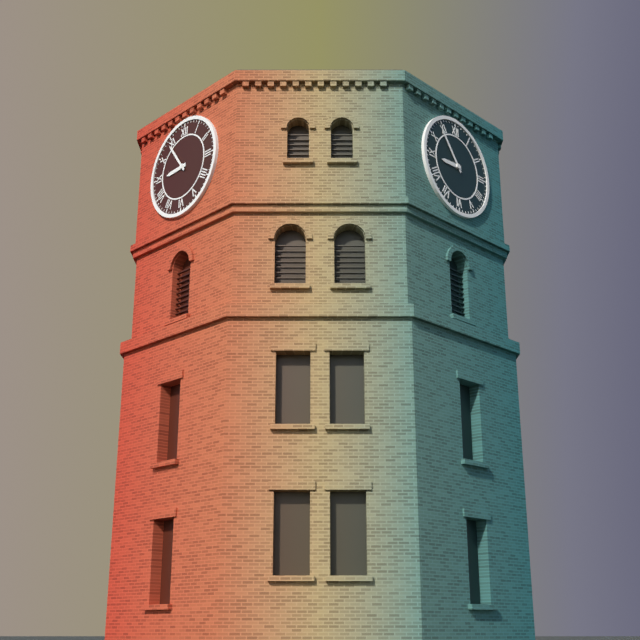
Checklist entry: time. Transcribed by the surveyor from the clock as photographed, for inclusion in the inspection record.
8:54
